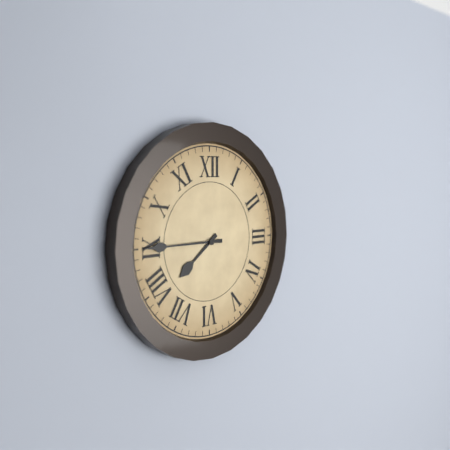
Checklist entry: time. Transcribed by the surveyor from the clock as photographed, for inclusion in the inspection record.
7:45
